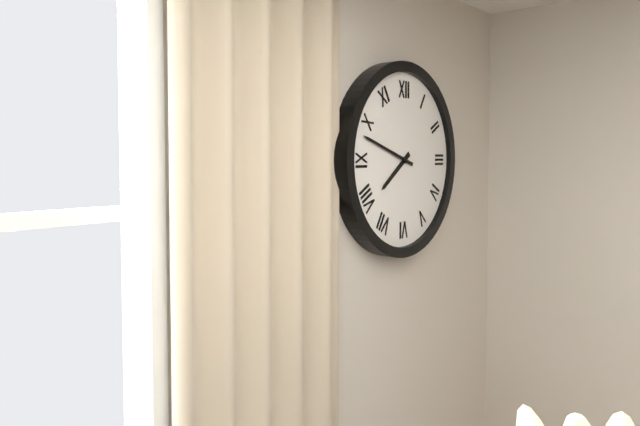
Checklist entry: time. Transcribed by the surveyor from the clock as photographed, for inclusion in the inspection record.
7:48
